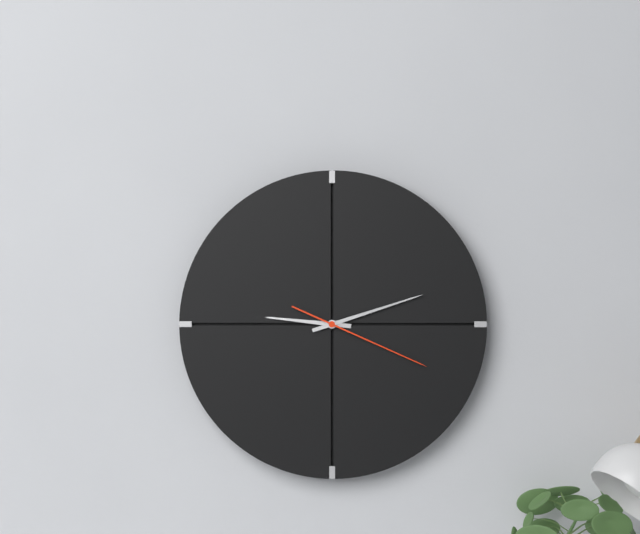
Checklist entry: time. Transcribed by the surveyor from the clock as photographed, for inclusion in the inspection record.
9:12:19
